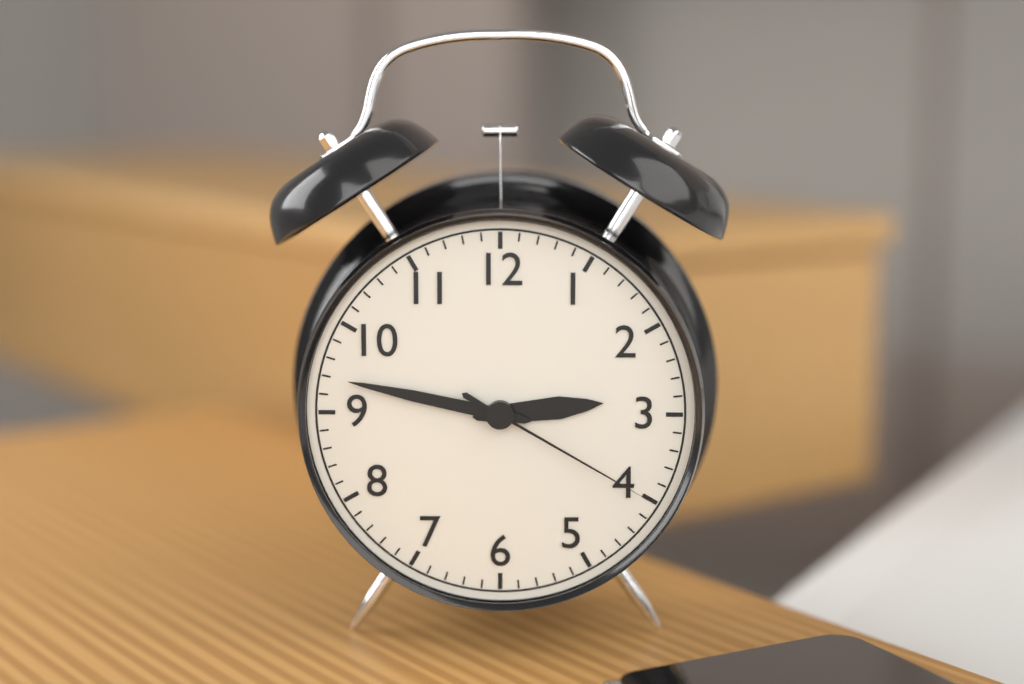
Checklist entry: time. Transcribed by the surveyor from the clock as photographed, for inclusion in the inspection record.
2:47:20
